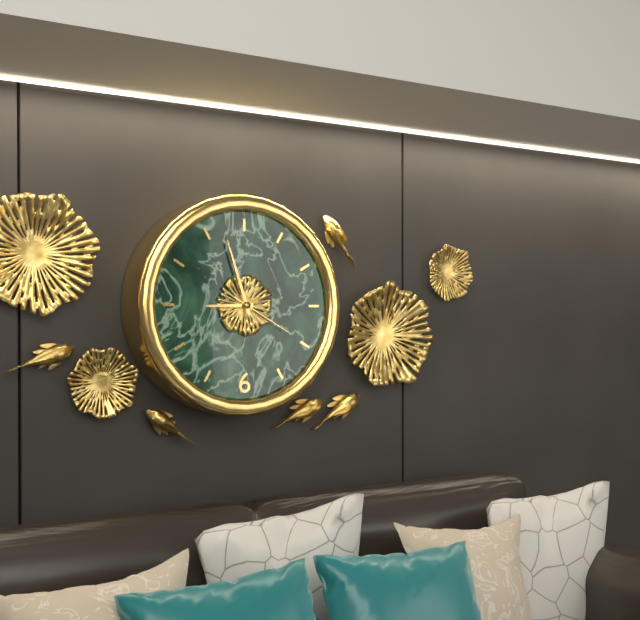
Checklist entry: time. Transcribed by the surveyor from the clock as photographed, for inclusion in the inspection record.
8:57:20
